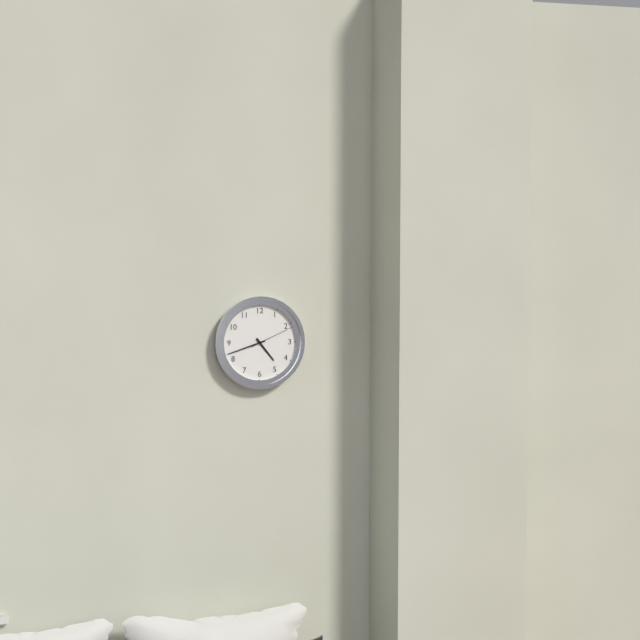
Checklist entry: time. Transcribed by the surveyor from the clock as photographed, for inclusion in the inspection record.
4:42
